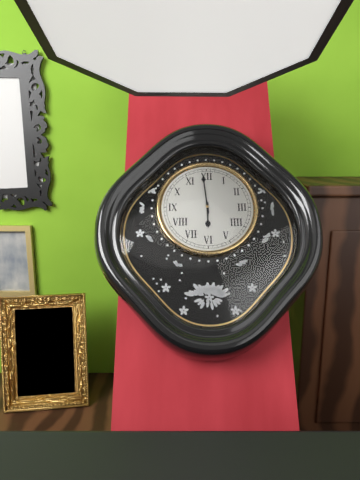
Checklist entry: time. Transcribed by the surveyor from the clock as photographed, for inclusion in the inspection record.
5:59
